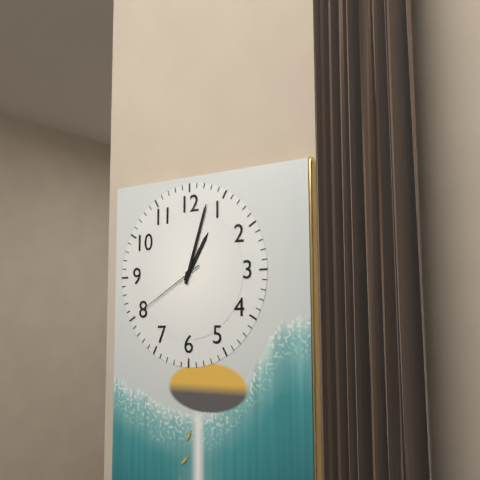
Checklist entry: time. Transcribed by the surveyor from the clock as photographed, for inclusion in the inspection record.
1:03:40
